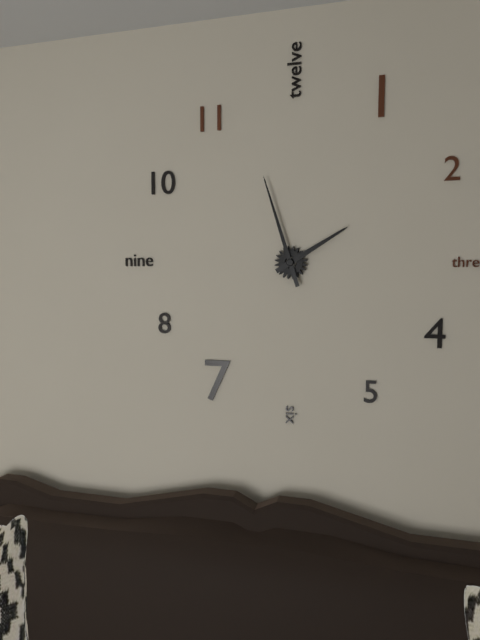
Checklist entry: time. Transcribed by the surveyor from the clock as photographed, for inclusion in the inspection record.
1:57
